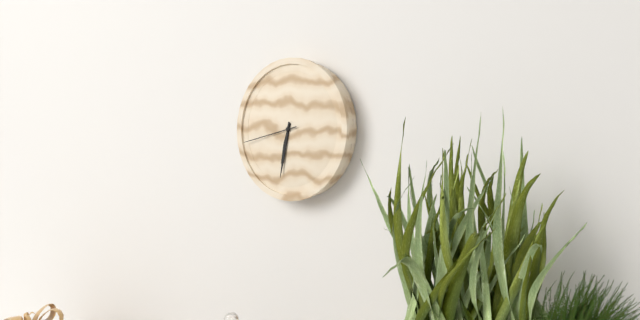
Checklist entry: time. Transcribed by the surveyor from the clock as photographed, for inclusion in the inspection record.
6:32:43
